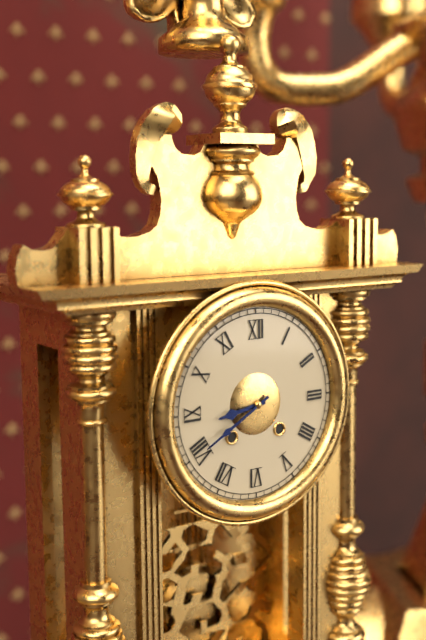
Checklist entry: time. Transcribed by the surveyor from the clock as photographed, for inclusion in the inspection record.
8:40
